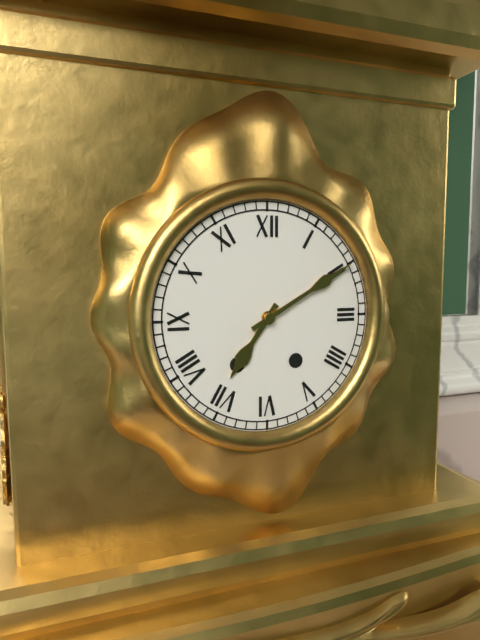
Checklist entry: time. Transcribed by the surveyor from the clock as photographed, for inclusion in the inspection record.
7:10
